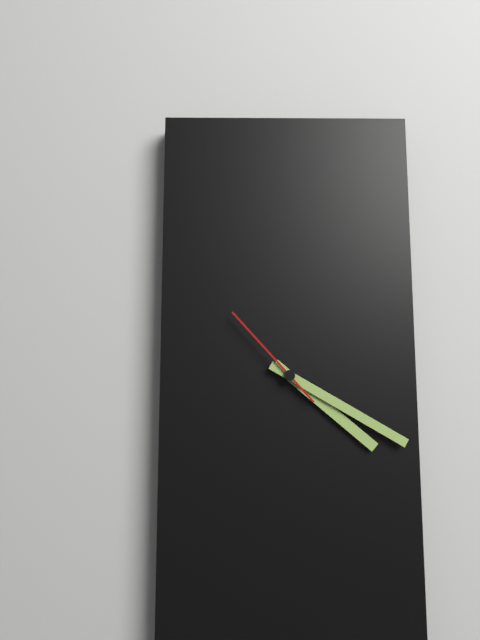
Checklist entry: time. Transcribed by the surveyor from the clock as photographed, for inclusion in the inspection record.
4:20:53
